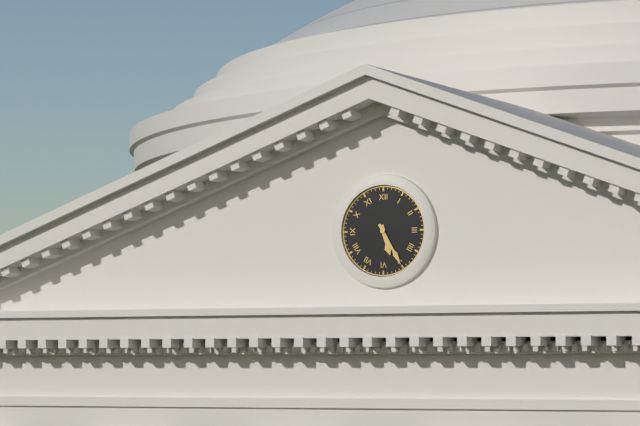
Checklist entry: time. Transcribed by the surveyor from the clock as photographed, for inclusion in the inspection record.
5:25
